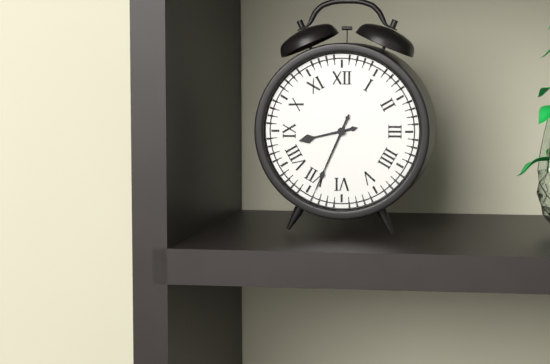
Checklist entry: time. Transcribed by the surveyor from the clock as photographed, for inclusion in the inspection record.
8:34
